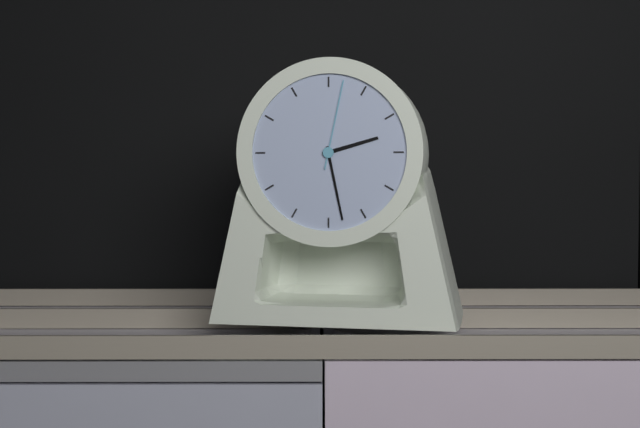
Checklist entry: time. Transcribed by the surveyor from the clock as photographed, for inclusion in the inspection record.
2:28:02
